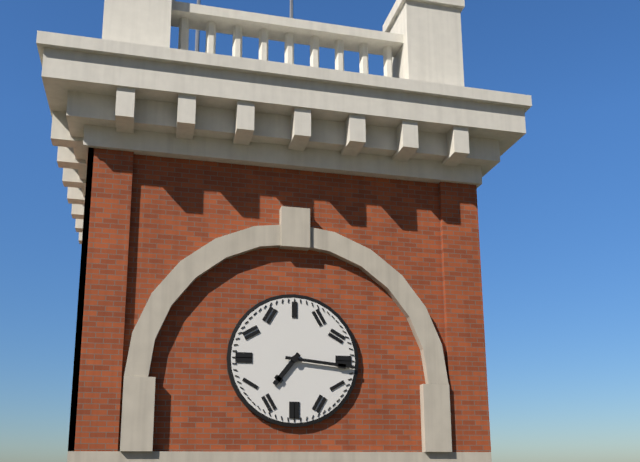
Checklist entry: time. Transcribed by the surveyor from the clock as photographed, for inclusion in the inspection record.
7:16
